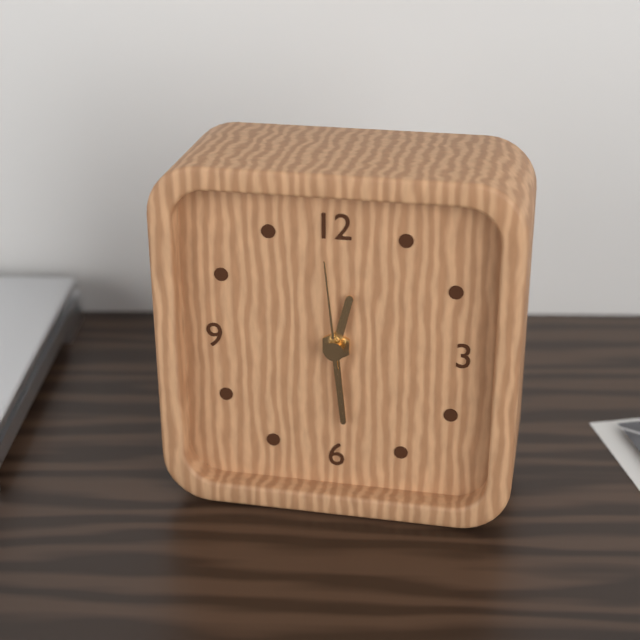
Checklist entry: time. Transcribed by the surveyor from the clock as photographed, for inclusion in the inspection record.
12:29:59
